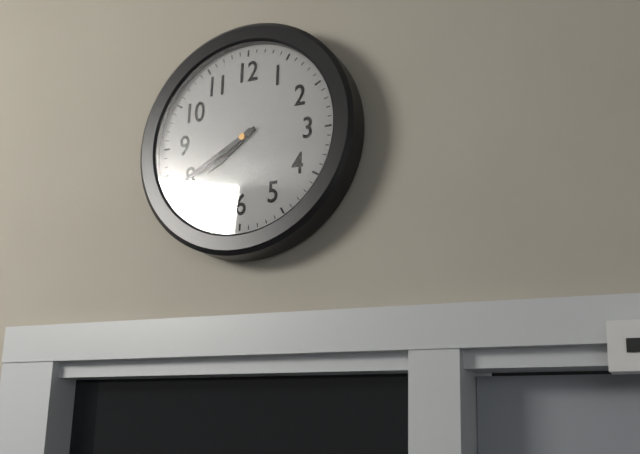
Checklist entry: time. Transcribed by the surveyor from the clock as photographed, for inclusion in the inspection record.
7:40
